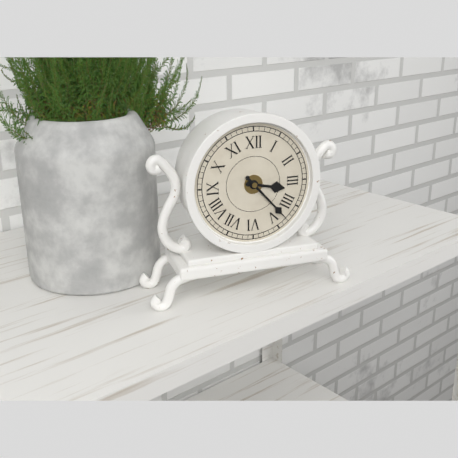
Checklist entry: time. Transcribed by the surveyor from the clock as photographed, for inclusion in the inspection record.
3:23
